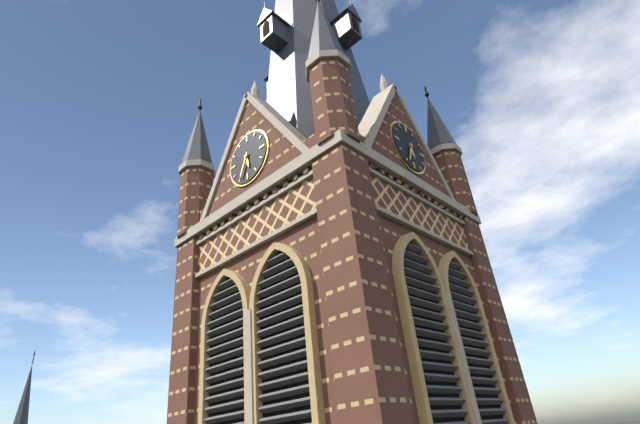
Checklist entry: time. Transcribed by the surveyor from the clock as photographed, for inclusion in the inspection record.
5:34
